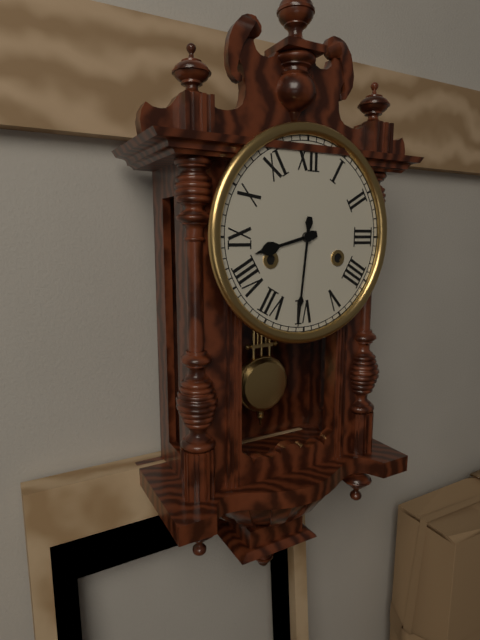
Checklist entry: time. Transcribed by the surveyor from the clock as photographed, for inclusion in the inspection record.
8:31
